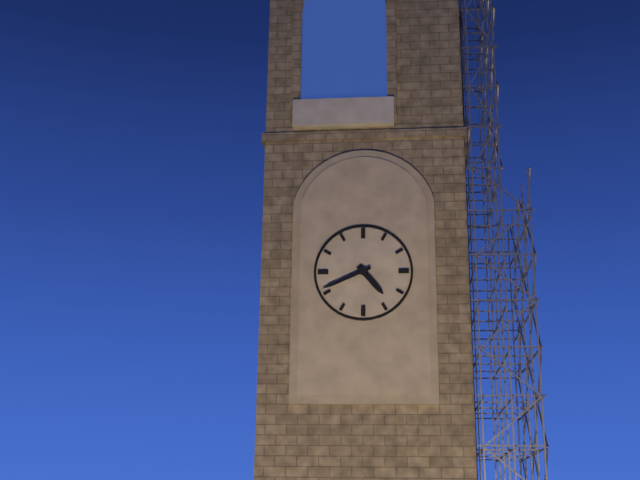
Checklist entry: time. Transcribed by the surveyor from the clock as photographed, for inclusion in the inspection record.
4:41
